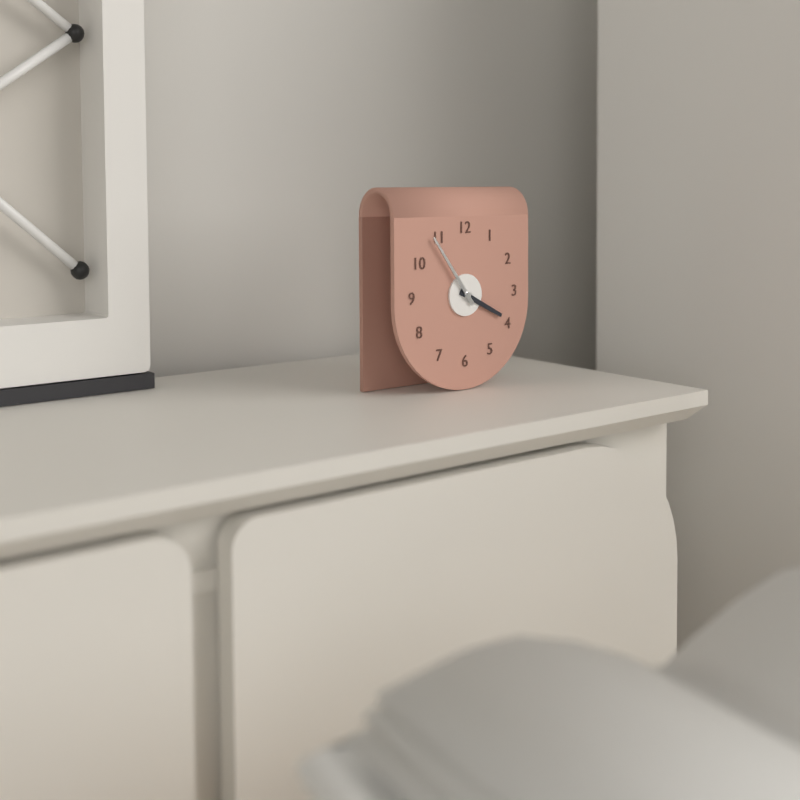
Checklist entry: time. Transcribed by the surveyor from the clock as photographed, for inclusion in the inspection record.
3:54
